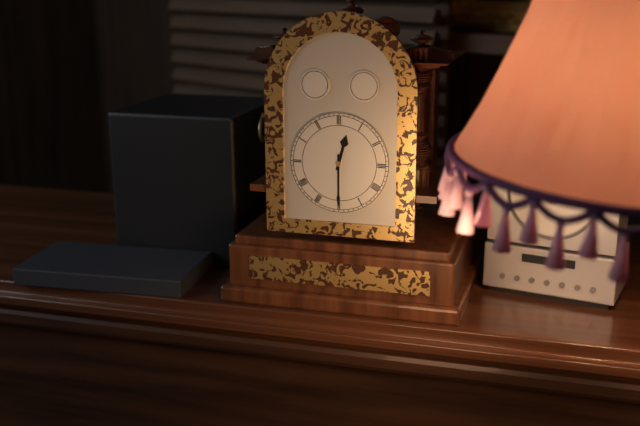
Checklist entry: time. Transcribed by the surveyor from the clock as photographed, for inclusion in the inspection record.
12:30
